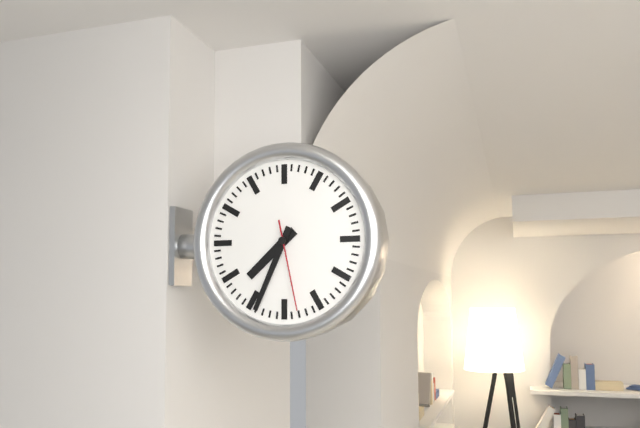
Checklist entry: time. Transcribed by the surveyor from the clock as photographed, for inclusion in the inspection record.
7:34:28
